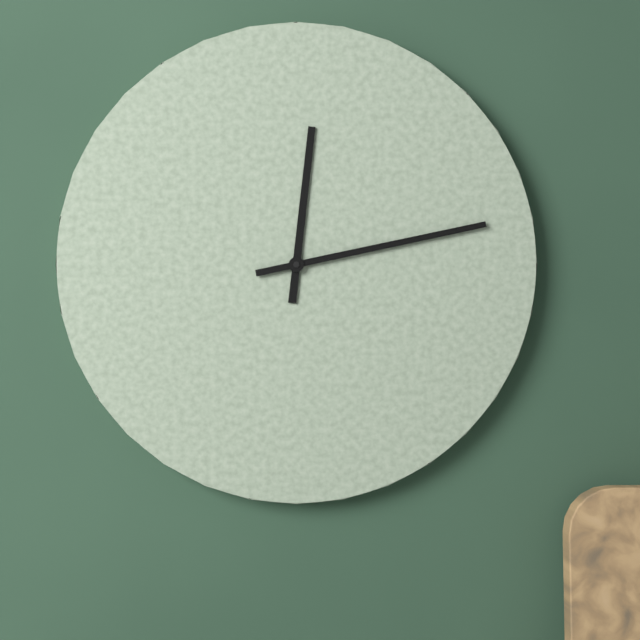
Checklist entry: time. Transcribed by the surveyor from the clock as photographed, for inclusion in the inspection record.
12:13
